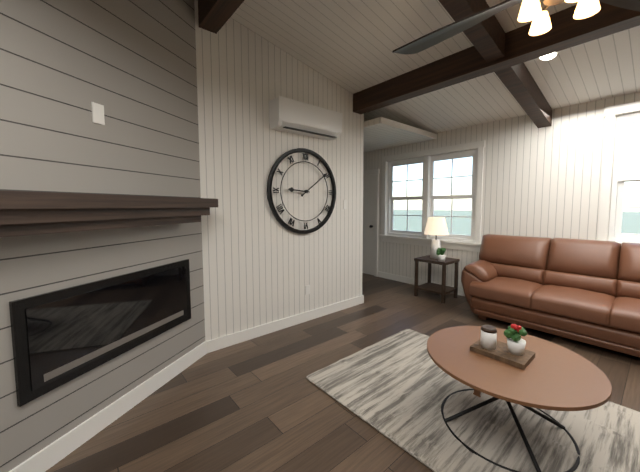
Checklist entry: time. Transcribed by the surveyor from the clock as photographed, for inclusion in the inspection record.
9:09
